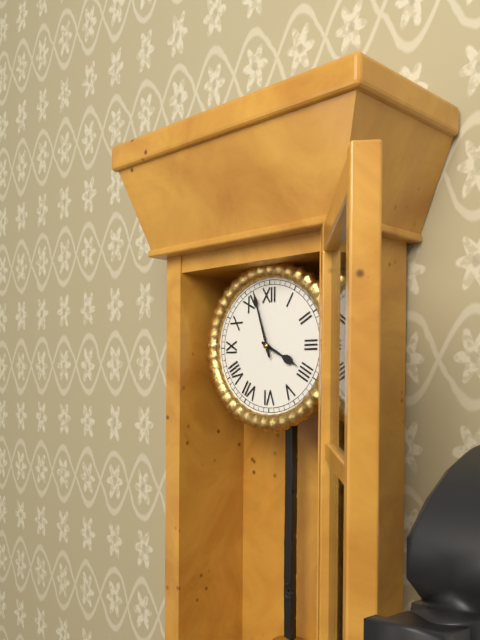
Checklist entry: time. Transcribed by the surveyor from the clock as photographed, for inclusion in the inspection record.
3:57
